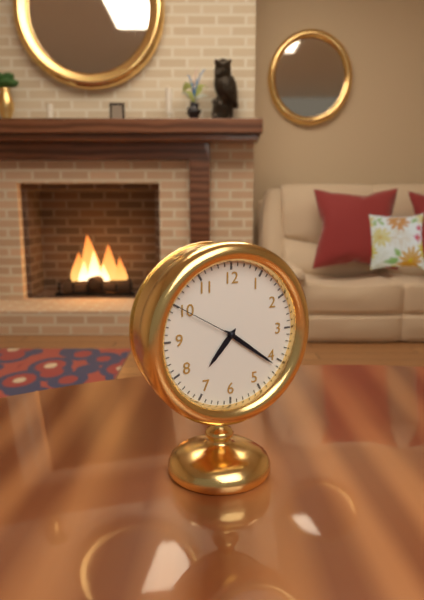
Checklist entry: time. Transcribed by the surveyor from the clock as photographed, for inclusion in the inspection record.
7:21:50
